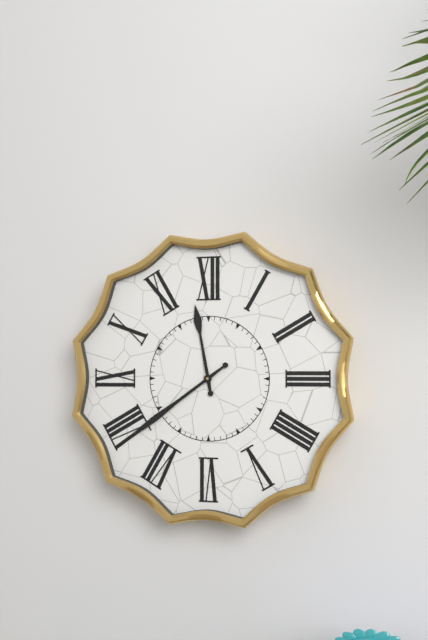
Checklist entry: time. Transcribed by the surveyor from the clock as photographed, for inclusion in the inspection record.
11:39
